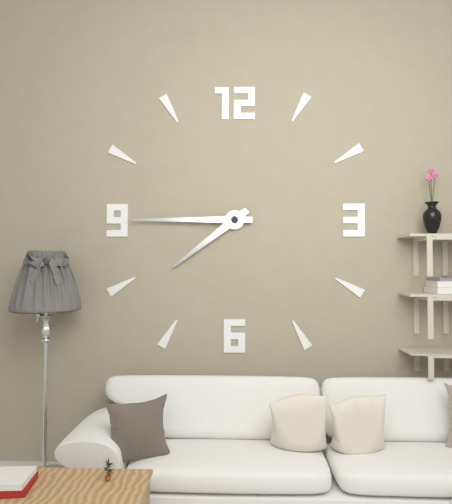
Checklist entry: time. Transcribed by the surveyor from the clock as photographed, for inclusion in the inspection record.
7:45
